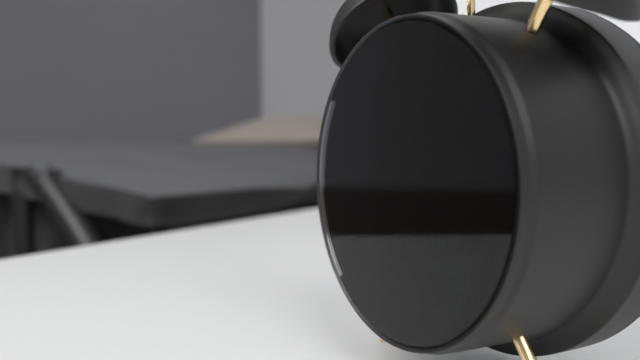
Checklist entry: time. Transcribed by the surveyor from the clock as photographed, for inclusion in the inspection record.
11:16:30
